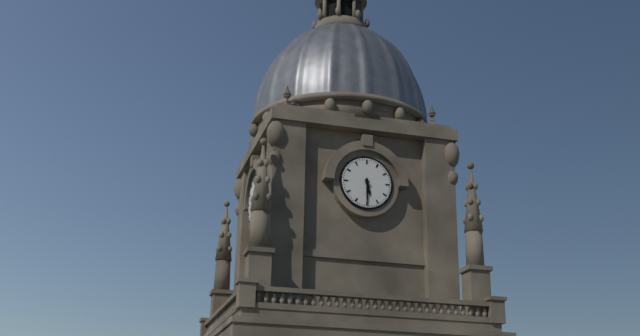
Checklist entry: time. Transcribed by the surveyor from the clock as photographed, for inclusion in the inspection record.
5:30
